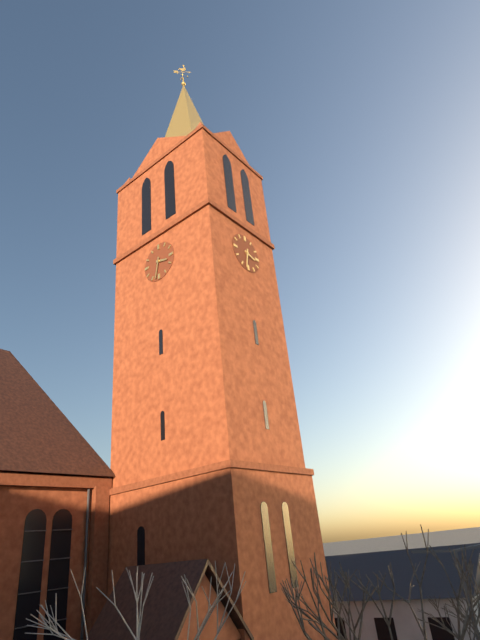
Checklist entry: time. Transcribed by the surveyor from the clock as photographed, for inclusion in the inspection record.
3:32
